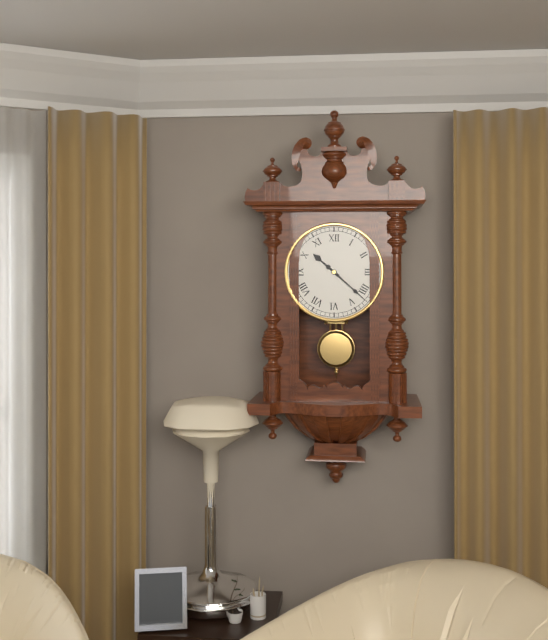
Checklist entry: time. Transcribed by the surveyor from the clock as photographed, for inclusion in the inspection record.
10:22
